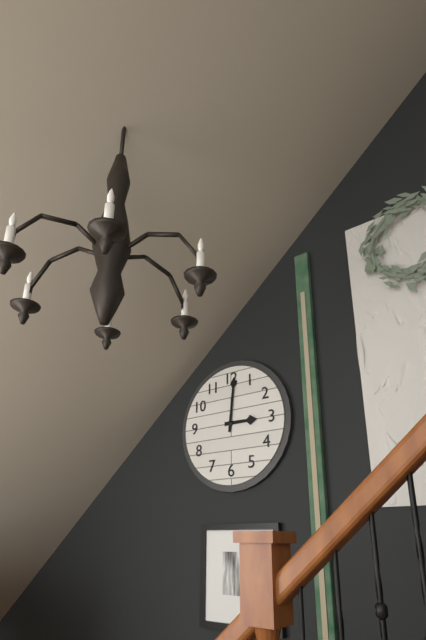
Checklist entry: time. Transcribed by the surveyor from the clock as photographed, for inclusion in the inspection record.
3:01
